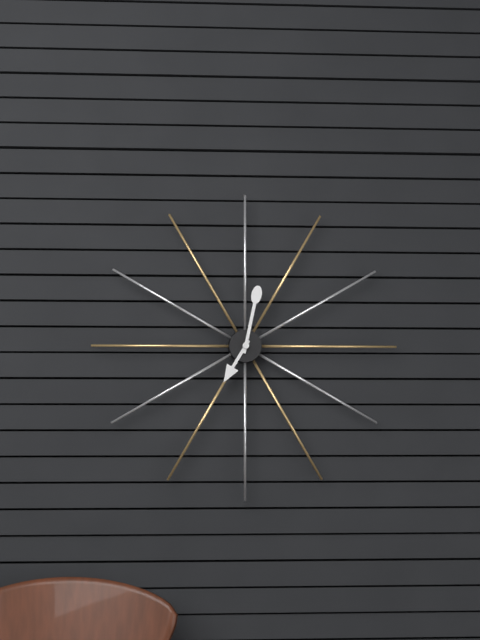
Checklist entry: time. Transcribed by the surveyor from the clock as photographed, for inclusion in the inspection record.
7:02
